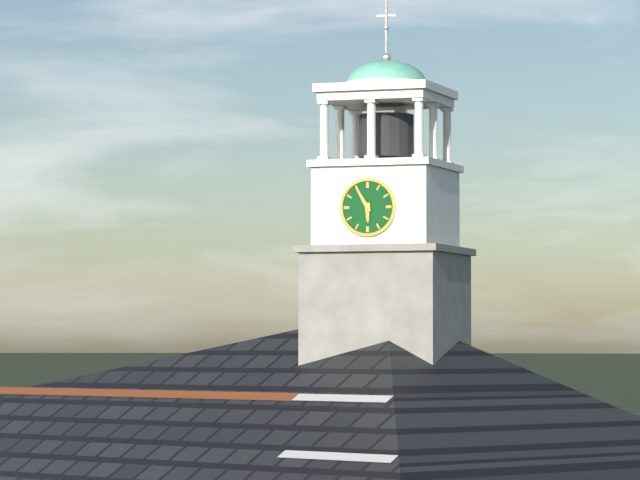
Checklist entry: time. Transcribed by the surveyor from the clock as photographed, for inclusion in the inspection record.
5:55
